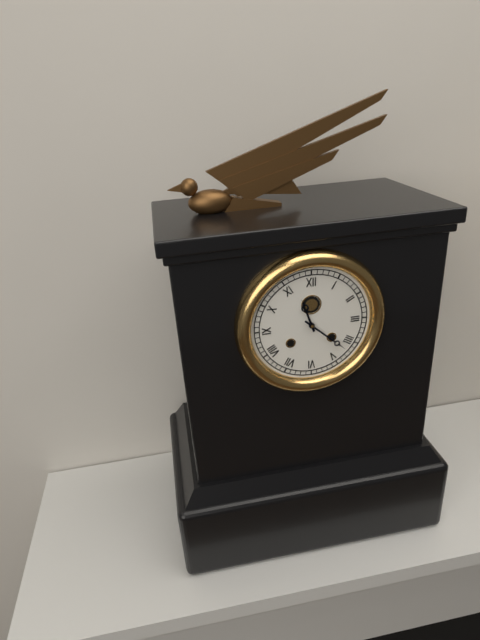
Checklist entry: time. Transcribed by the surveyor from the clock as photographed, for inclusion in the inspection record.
11:22
